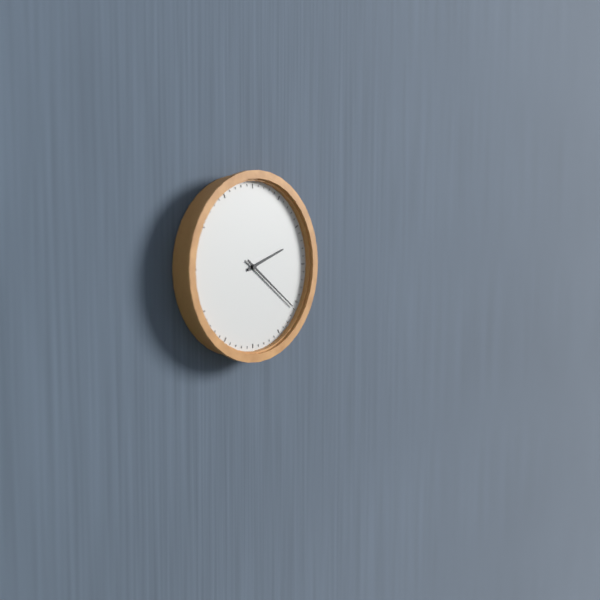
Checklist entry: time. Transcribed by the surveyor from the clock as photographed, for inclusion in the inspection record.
2:21
